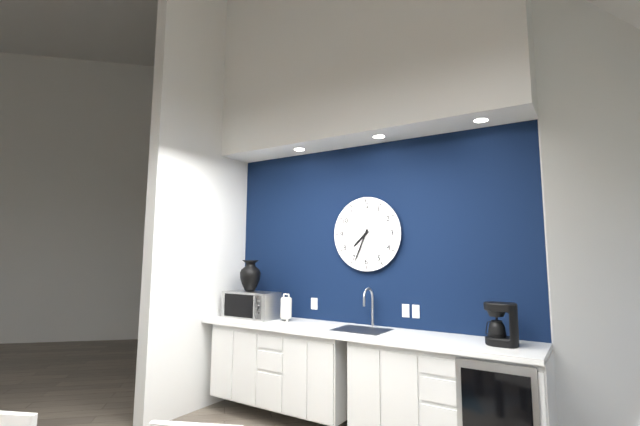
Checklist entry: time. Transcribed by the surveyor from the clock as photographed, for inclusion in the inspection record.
7:34
